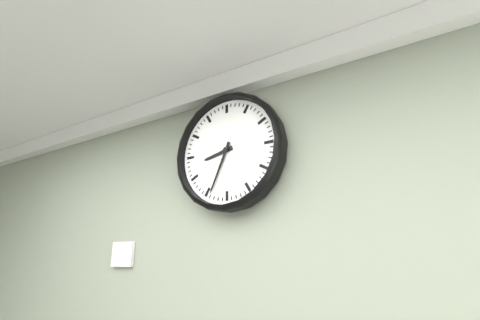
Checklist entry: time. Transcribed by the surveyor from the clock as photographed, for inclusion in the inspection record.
8:34
